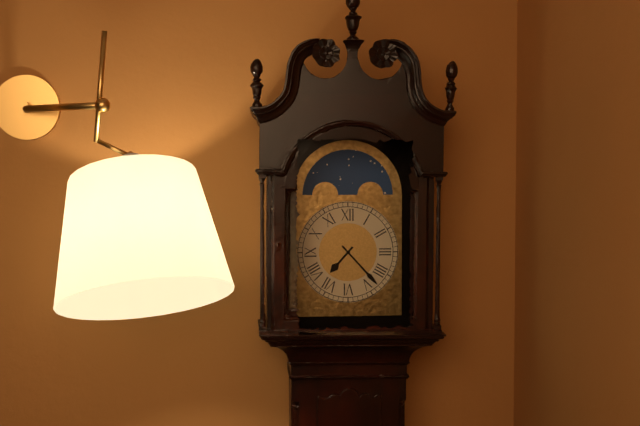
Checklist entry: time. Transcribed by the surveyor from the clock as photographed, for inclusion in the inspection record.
7:23
